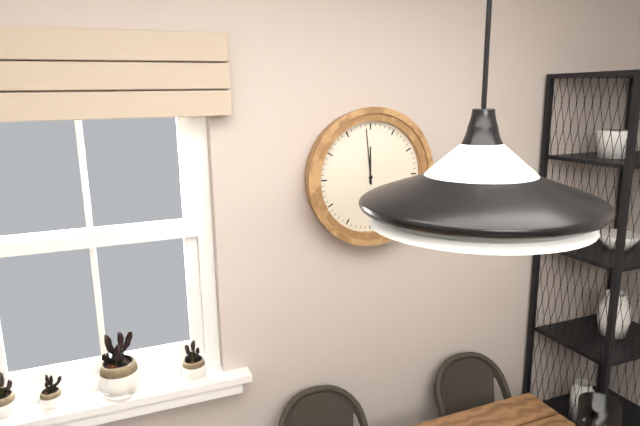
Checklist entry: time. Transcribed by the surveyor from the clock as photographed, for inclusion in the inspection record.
11:59
